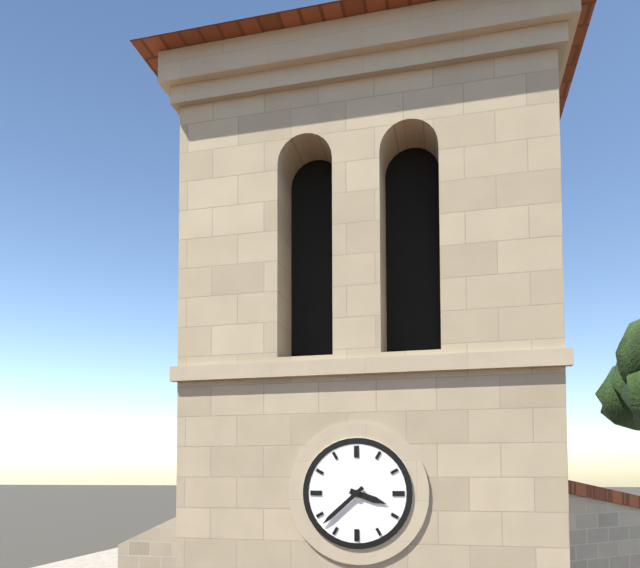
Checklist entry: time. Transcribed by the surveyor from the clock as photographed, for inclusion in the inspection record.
3:38
